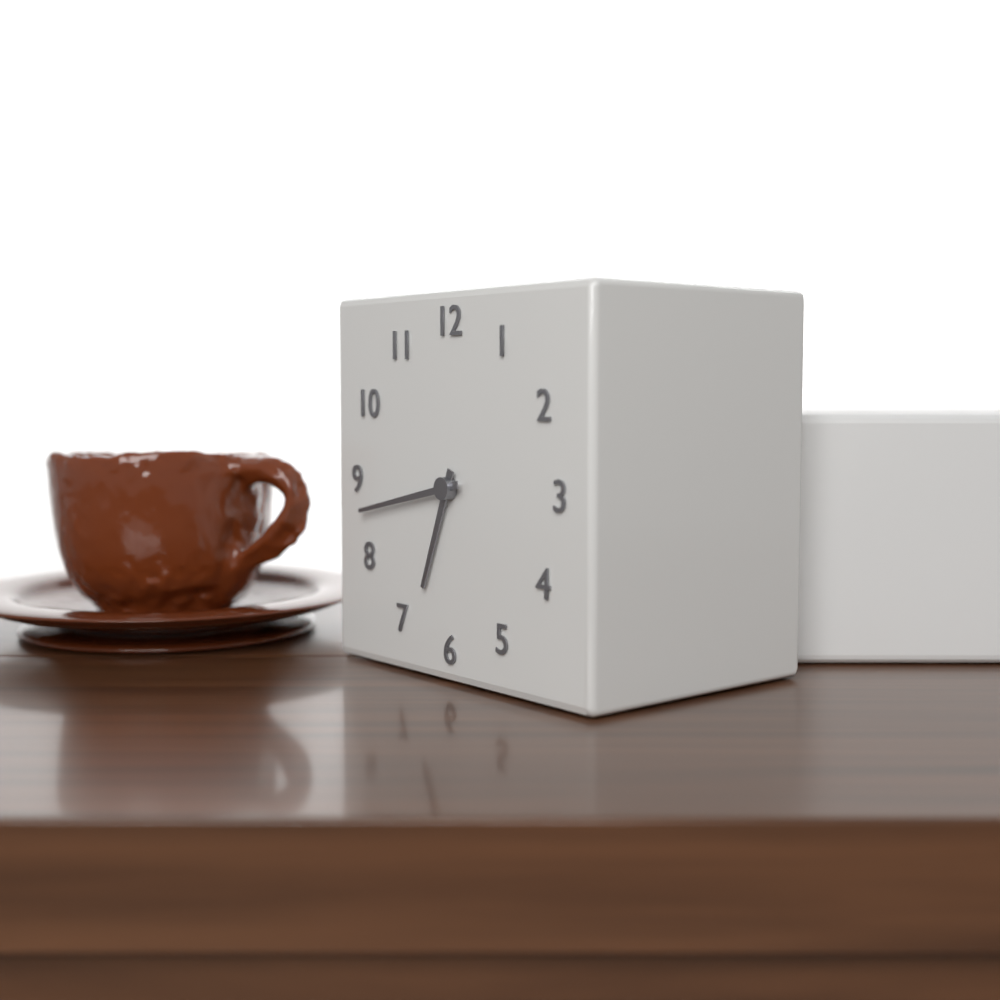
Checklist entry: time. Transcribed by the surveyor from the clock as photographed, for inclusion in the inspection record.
6:43
